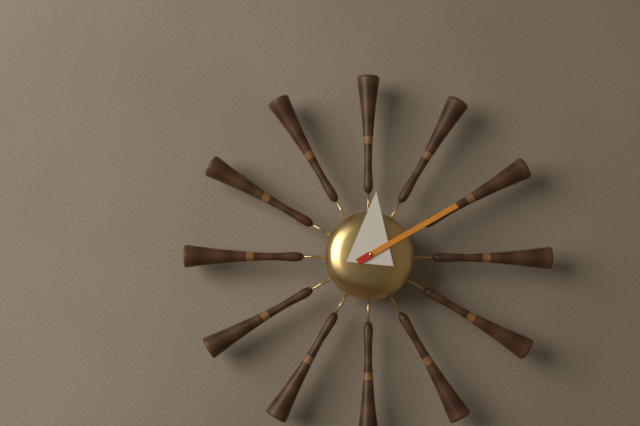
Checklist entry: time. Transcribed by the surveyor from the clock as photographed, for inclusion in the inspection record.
12:10
